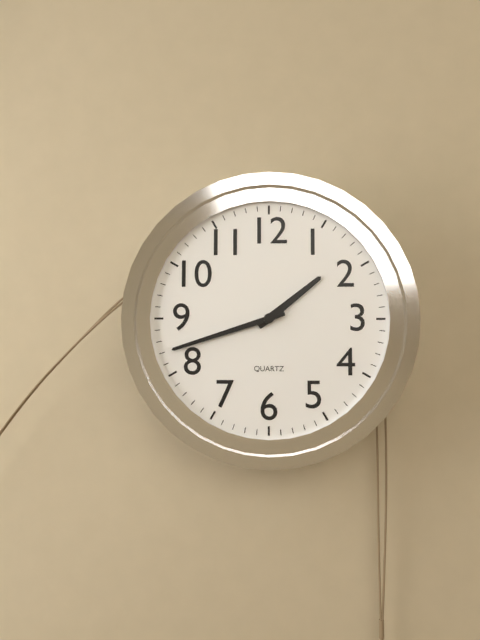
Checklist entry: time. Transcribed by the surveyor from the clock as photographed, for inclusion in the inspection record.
1:42
